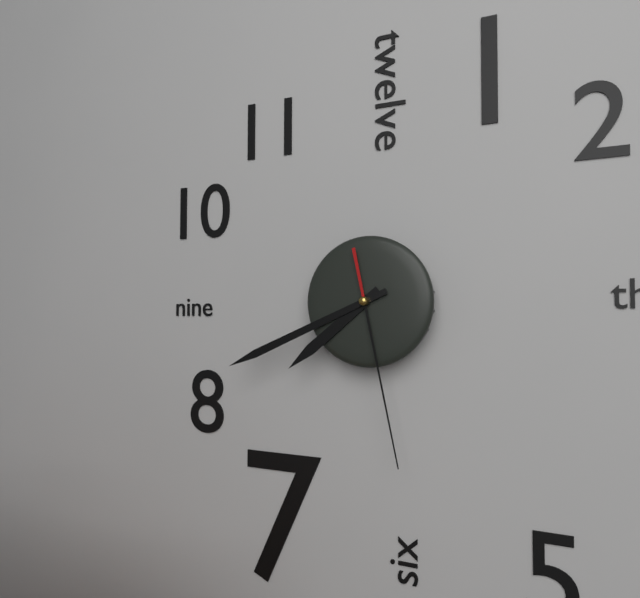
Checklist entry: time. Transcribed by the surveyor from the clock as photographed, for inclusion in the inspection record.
7:41:28
